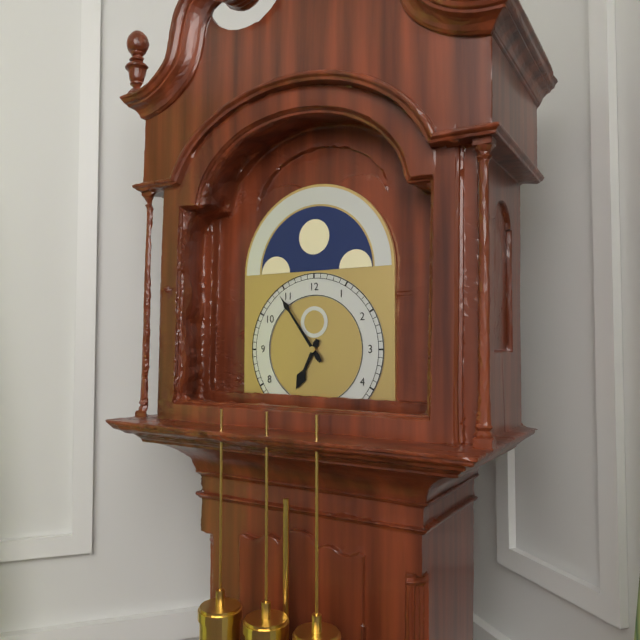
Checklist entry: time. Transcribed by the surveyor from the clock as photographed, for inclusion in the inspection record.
6:54
